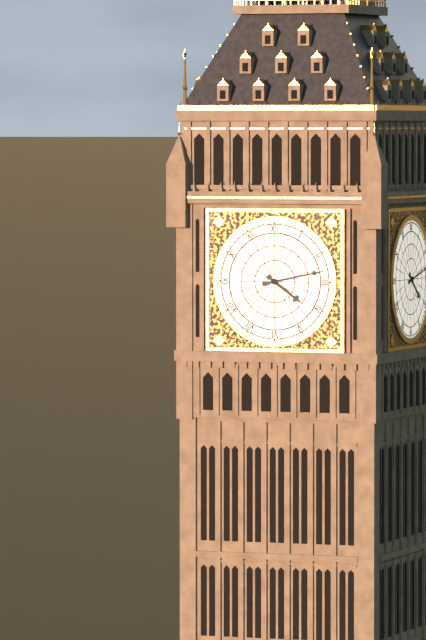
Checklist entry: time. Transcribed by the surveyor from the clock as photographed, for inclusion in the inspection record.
4:13
